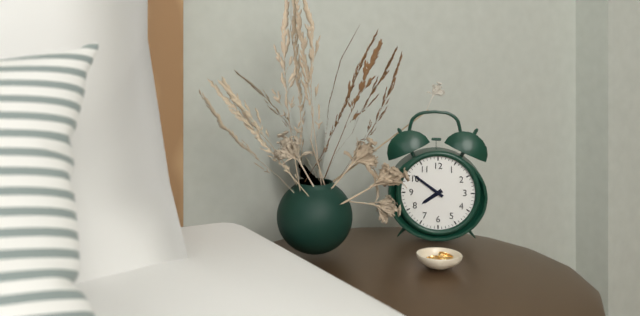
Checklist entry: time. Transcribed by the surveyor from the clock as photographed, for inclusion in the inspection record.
7:51
